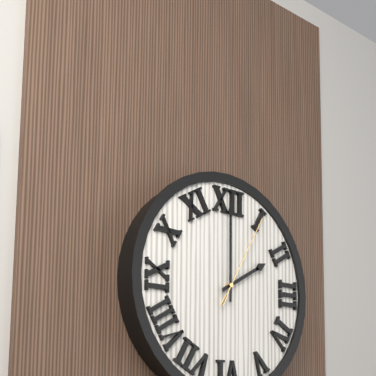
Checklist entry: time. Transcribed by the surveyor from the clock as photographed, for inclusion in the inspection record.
2:00:05
